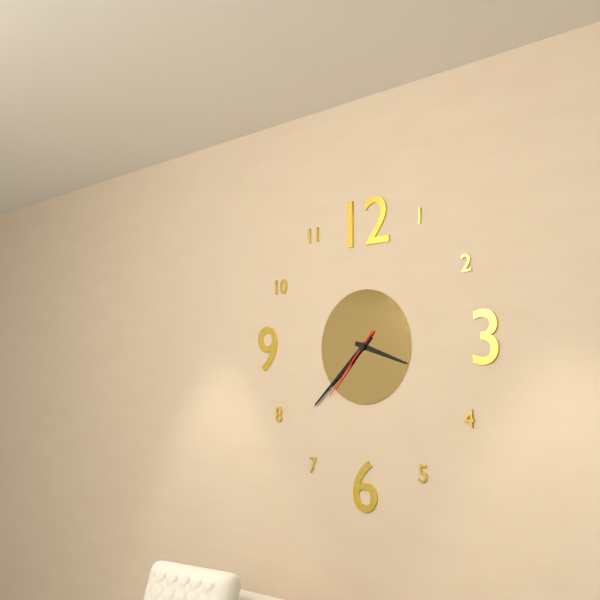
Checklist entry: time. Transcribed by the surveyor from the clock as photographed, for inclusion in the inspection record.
3:38:37
